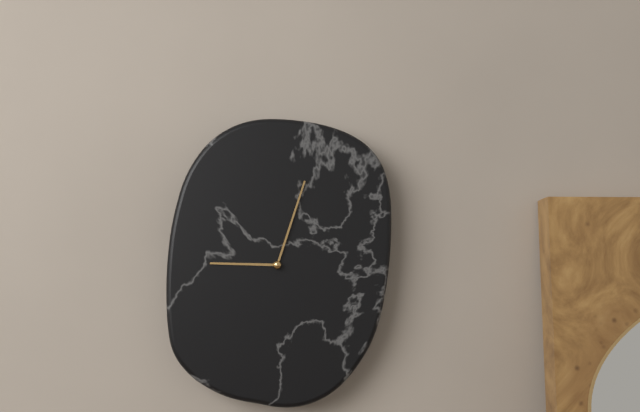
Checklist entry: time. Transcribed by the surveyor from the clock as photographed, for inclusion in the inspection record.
9:03
